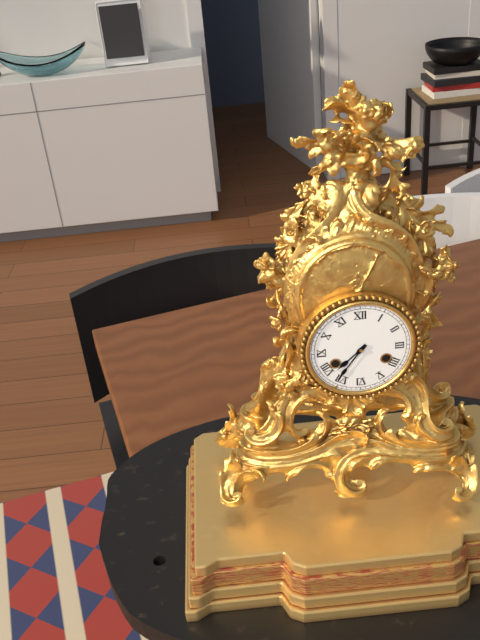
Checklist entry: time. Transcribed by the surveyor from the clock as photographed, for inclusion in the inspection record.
7:36
